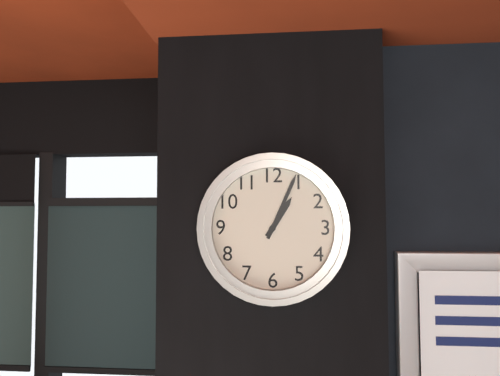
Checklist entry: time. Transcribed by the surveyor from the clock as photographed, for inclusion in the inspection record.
1:04
